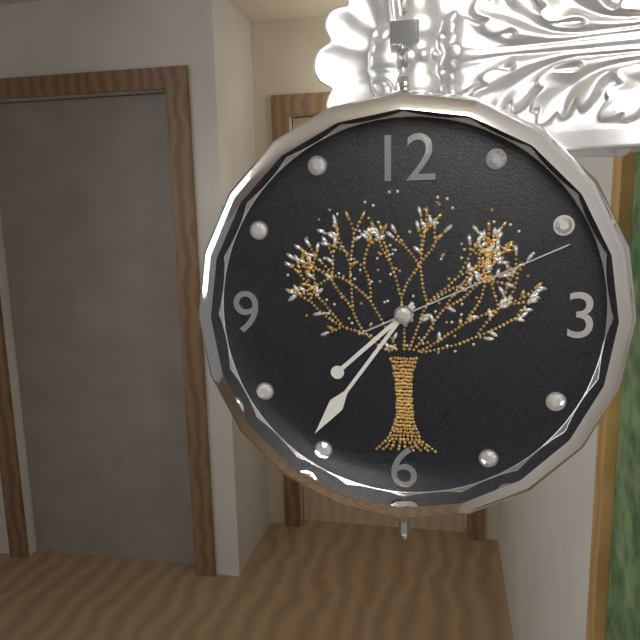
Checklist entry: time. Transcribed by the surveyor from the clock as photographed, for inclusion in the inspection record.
7:36:11
